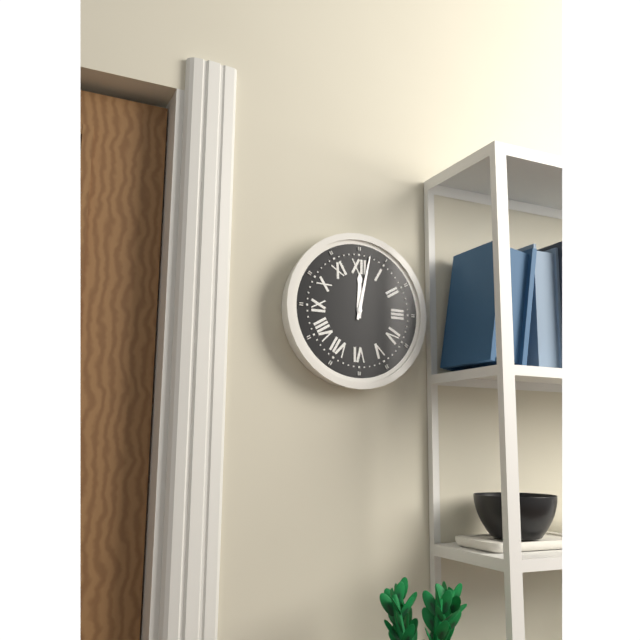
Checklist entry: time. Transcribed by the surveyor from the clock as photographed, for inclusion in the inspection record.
12:02
